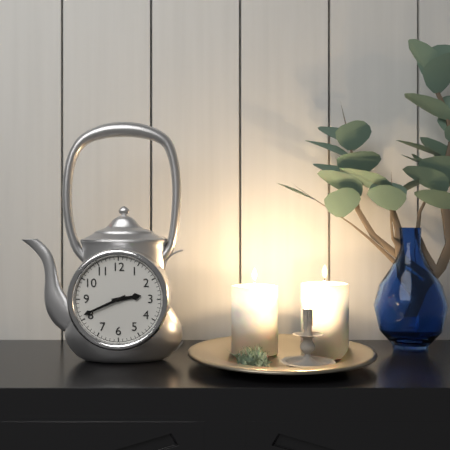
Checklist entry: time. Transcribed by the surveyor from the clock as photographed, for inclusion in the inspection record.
2:41
